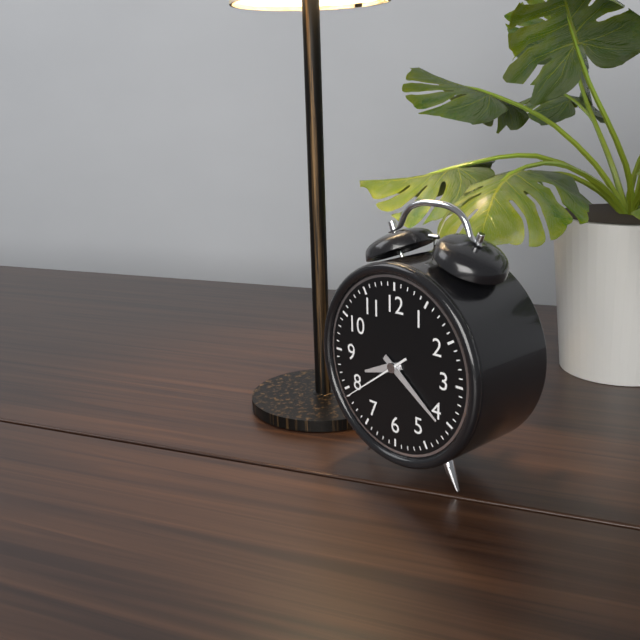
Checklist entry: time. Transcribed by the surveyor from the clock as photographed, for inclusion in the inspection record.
8:21:39
